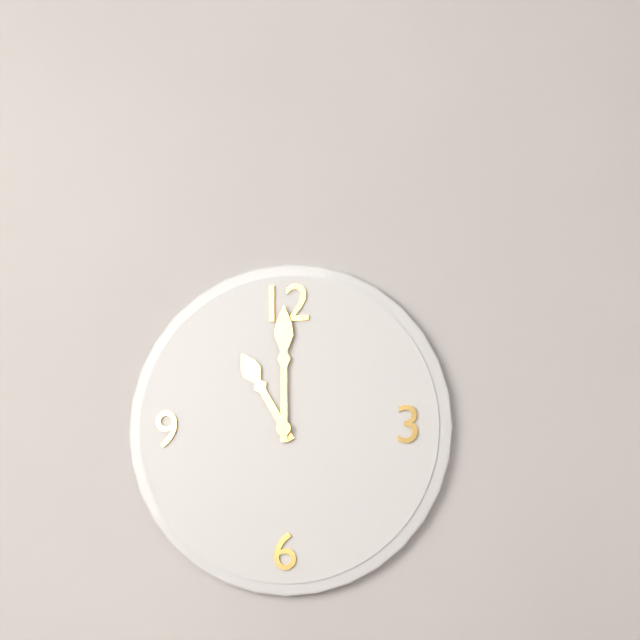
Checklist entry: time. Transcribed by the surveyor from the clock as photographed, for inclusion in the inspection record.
11:00
